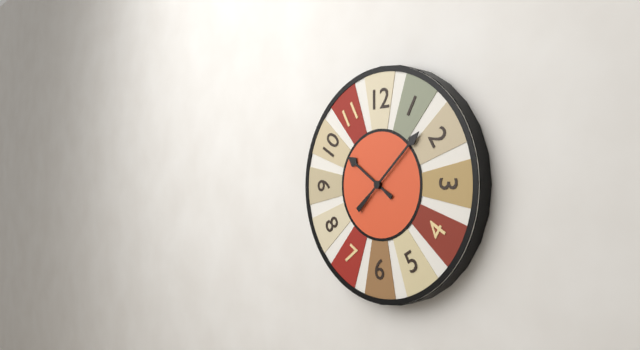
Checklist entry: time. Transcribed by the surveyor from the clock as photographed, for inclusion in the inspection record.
10:08
